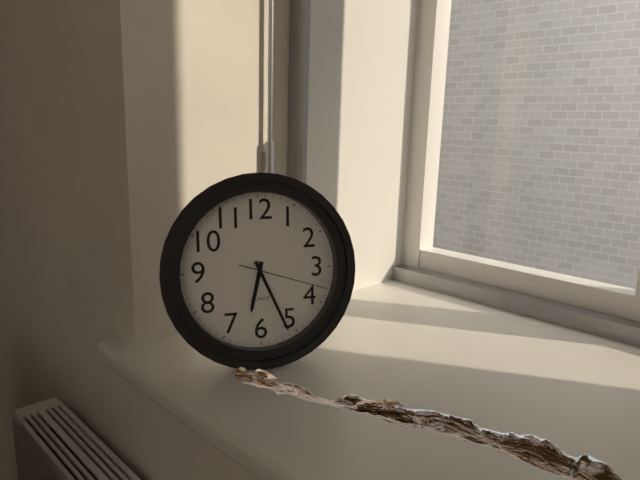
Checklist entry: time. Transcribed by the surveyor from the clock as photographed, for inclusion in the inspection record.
6:26:18
